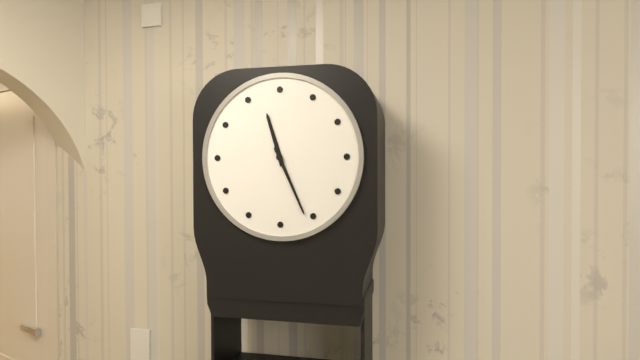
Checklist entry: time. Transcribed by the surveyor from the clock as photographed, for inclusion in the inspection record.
11:26
